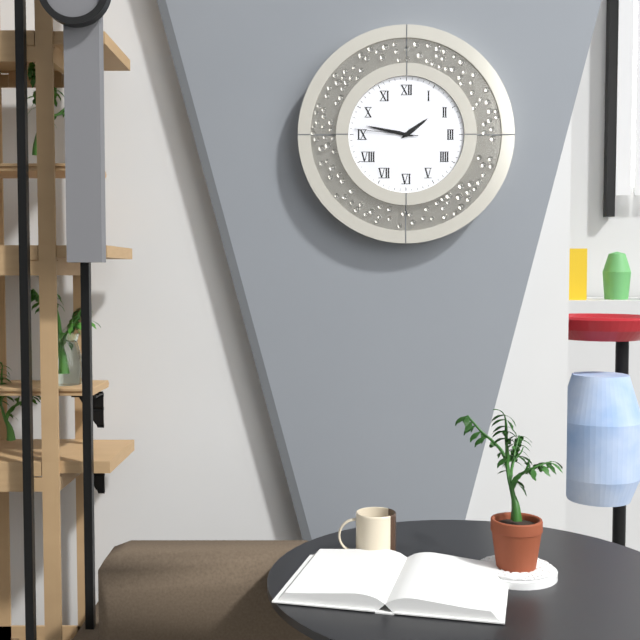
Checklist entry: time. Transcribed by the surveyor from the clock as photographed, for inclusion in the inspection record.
1:47:46
